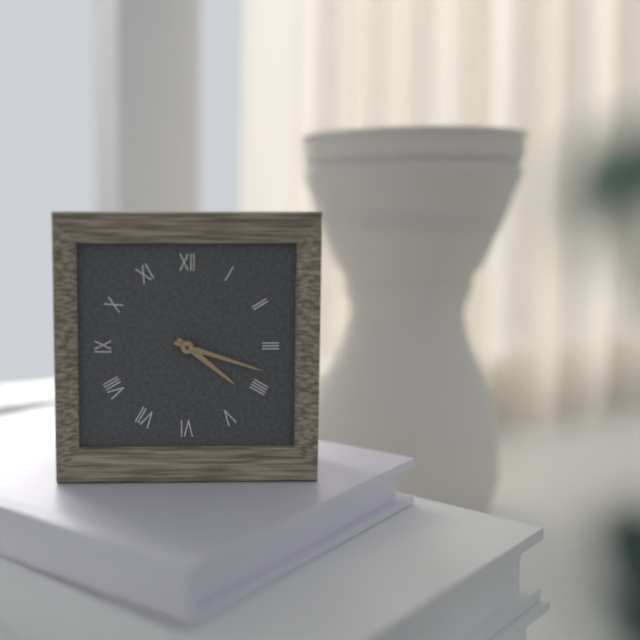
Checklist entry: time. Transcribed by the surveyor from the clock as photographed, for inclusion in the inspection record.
4:18
